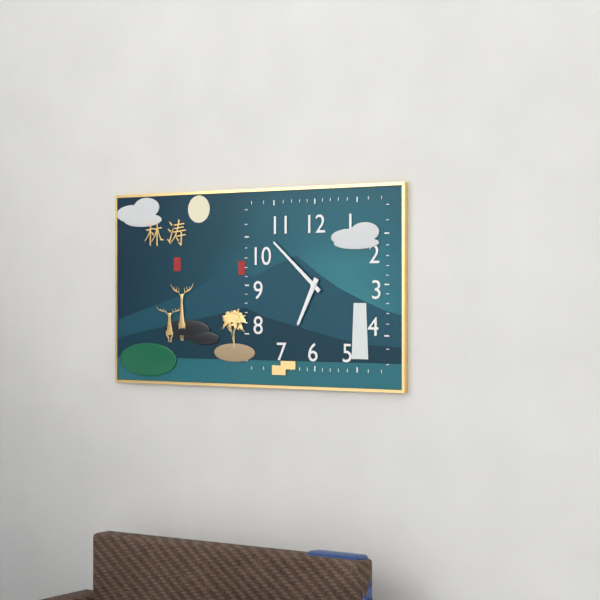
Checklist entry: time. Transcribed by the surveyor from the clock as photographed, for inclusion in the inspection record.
6:52
